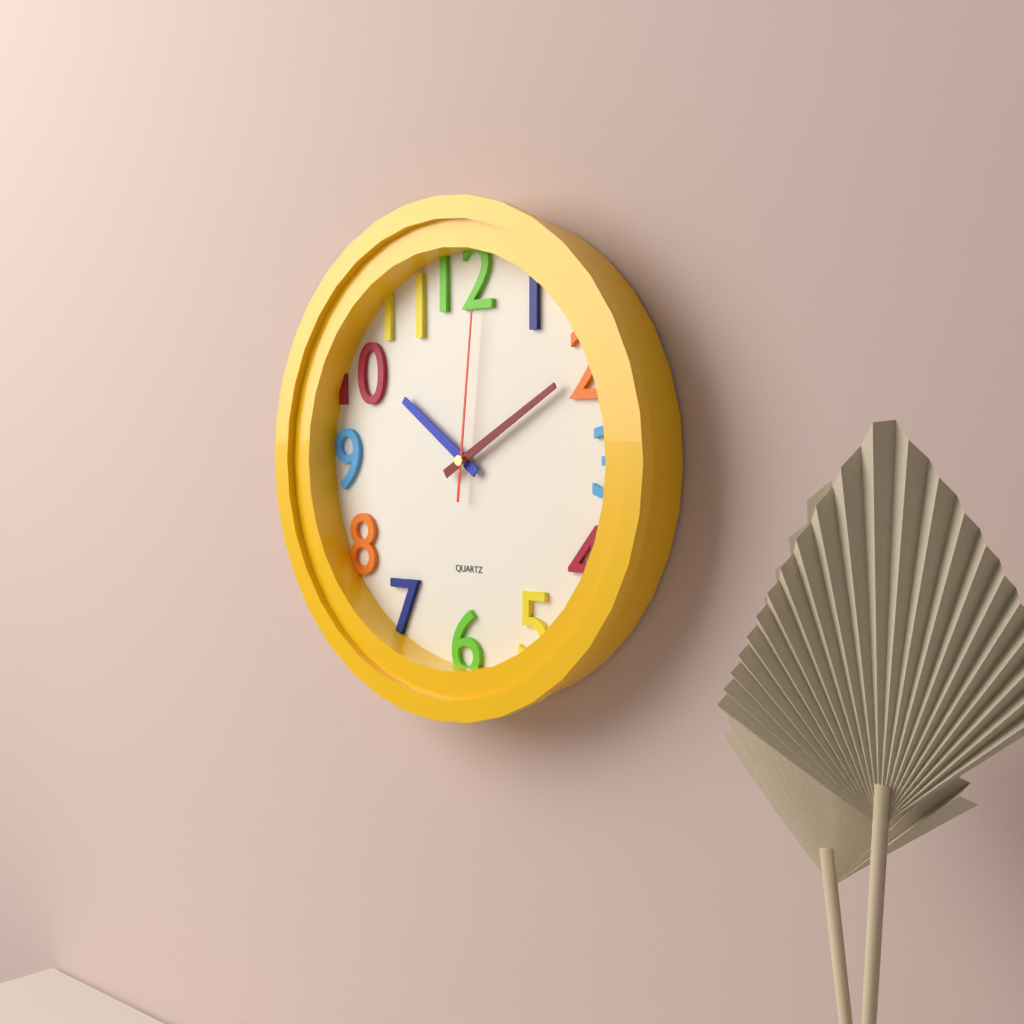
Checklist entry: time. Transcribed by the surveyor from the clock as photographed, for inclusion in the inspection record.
10:10:01
